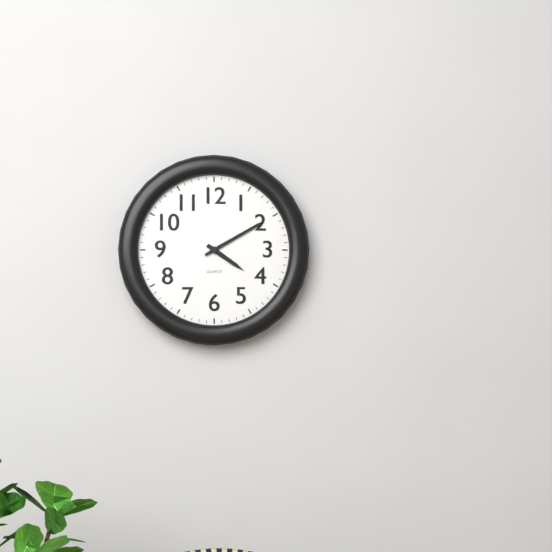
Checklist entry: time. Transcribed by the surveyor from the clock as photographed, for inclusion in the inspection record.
4:10
